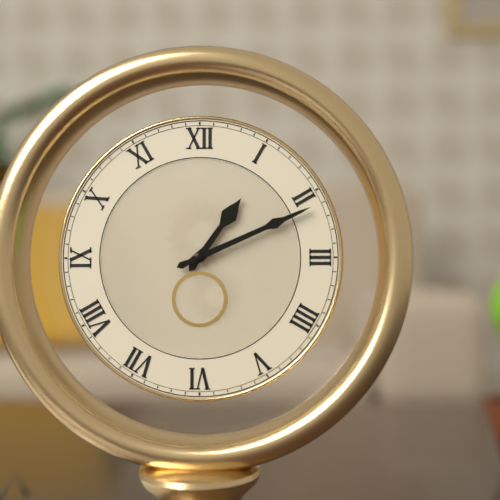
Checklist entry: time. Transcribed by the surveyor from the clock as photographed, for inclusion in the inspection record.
1:11
